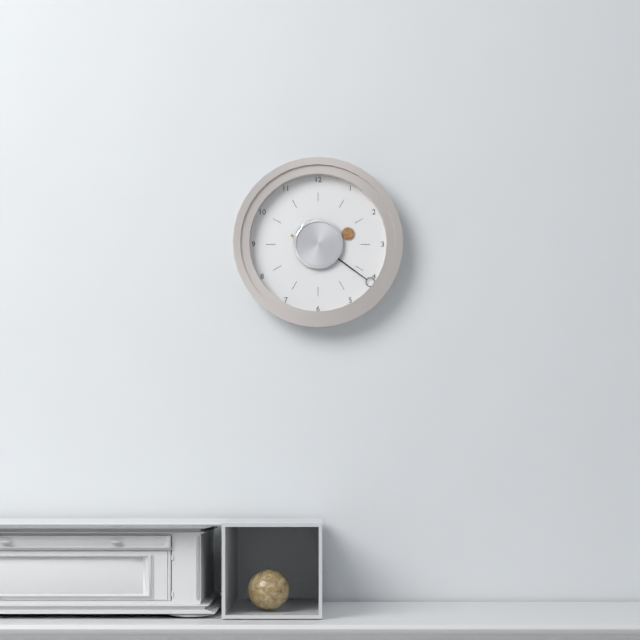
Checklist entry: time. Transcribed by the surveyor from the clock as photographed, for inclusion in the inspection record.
2:21
